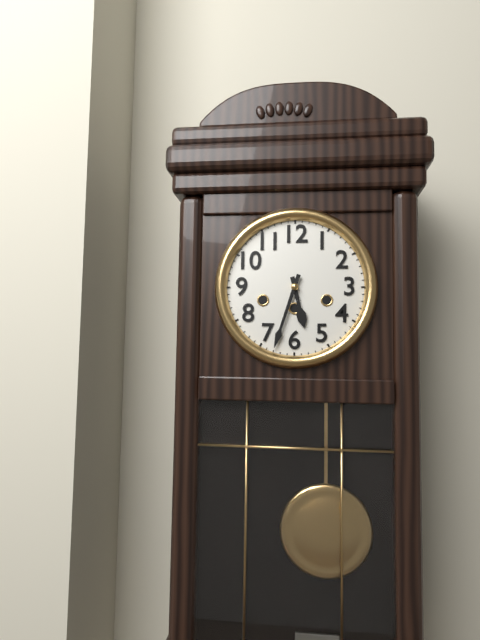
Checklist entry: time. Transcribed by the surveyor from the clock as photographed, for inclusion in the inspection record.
5:33
